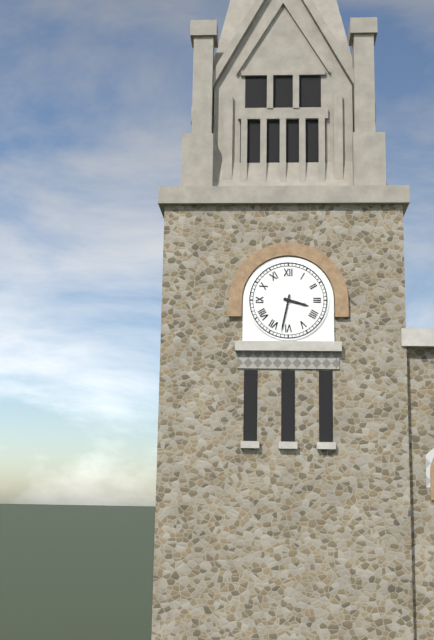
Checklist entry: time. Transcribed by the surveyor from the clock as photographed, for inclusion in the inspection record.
3:32
